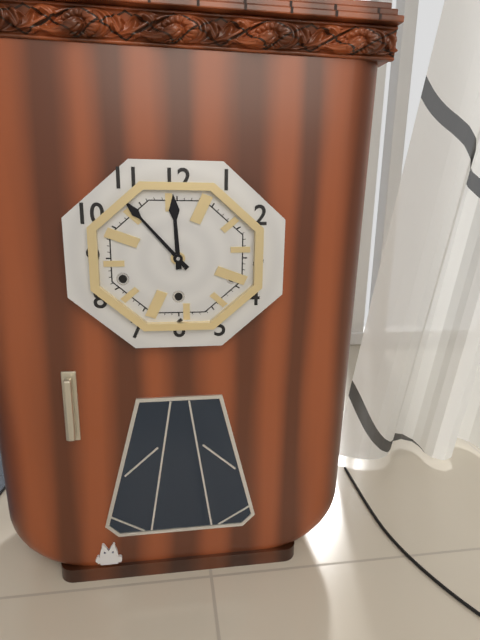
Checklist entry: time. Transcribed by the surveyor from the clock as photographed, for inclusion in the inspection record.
11:53
